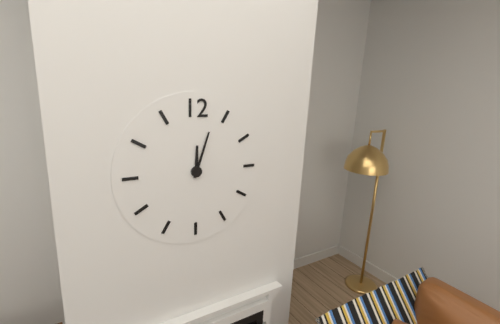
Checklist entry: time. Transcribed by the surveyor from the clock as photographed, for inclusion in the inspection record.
12:03
